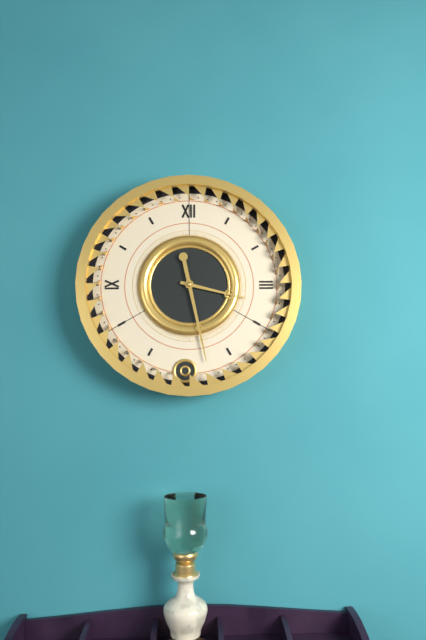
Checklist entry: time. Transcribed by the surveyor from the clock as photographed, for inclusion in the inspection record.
3:28
